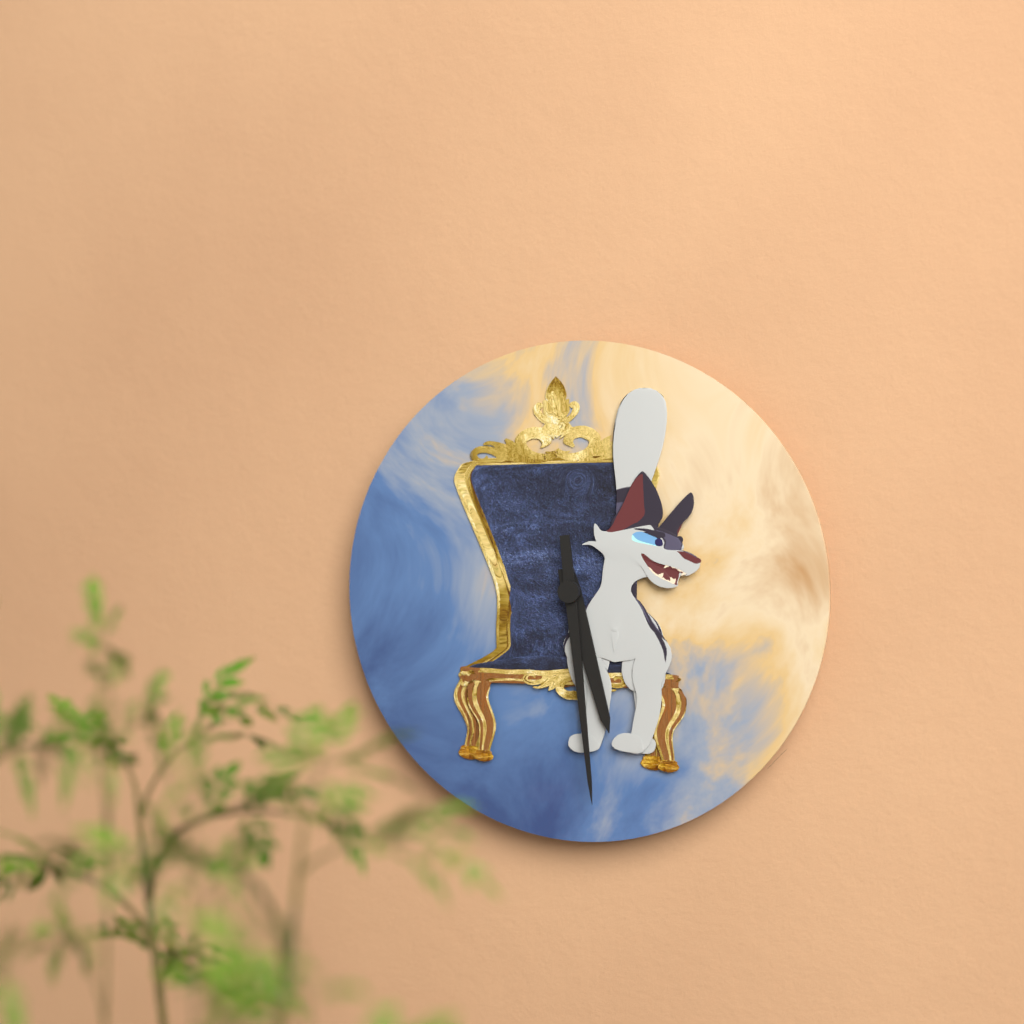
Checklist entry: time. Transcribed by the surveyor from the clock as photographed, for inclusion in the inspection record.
5:29
